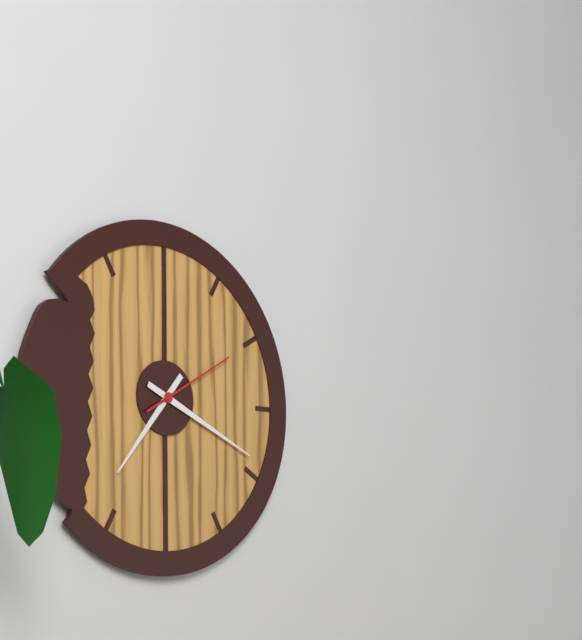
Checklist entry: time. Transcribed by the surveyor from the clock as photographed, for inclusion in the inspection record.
7:19:10
